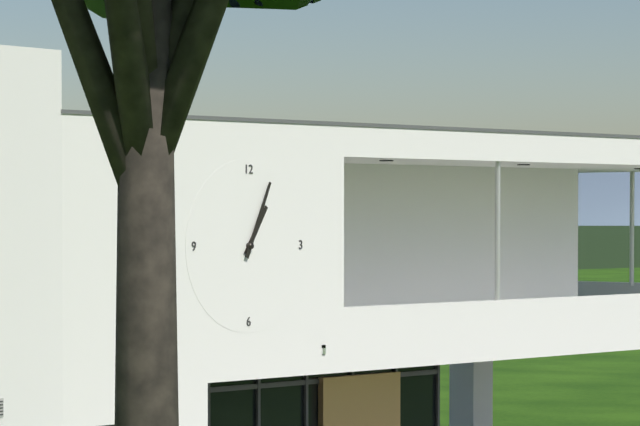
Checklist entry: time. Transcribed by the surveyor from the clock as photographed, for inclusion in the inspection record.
1:04
